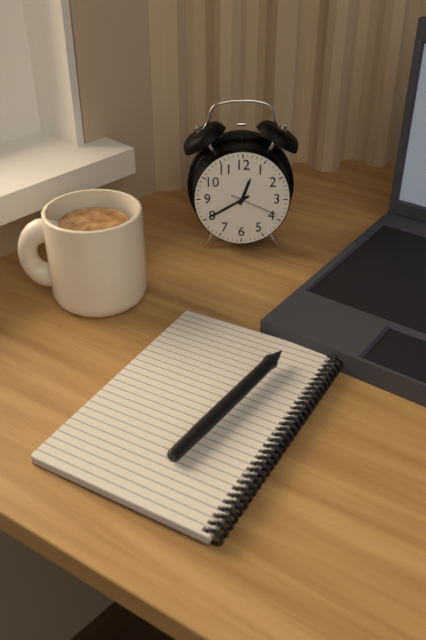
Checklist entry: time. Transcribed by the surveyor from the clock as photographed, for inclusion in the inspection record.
12:40:19
